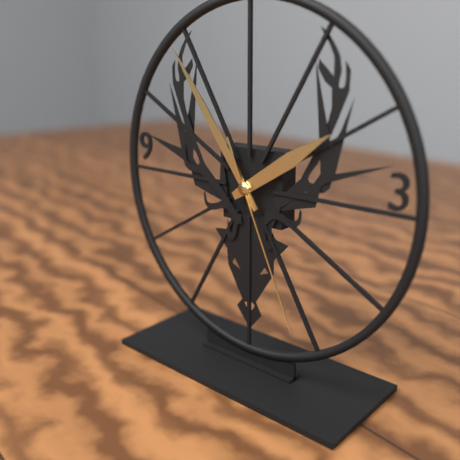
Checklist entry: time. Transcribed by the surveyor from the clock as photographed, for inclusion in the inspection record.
1:54:26
